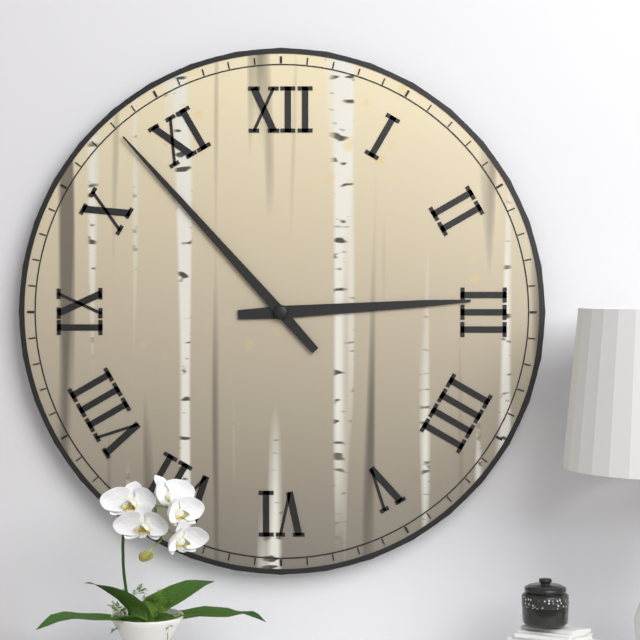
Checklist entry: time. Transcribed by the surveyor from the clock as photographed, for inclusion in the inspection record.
2:53
